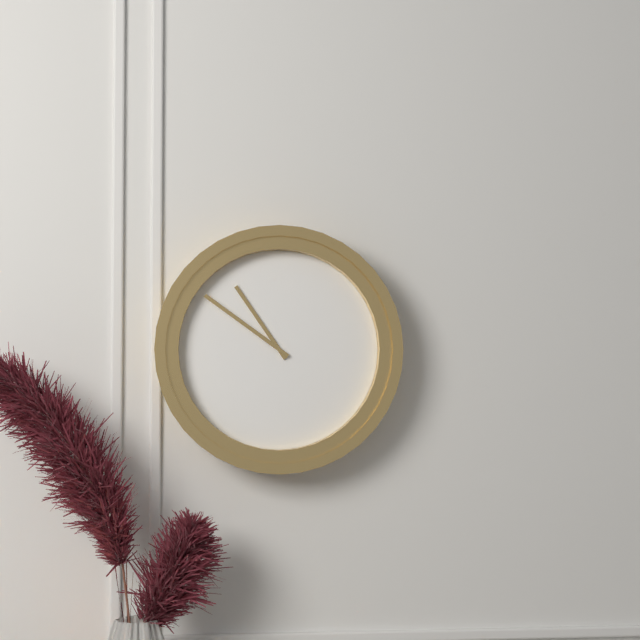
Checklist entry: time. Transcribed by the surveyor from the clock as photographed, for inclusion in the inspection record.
10:51
